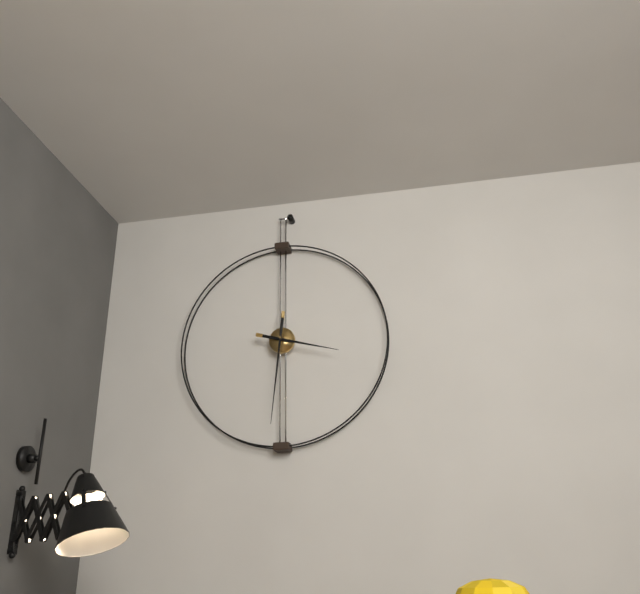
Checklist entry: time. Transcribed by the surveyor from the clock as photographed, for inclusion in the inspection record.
3:31
